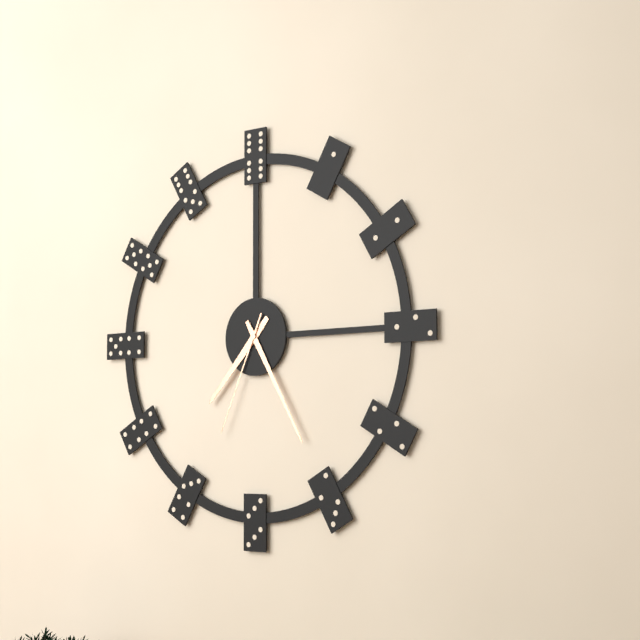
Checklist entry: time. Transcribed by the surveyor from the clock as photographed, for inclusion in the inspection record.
7:25:34
